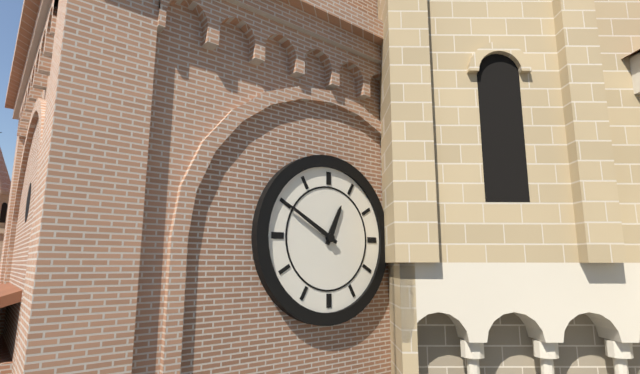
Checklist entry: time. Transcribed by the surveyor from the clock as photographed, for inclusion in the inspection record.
12:50
